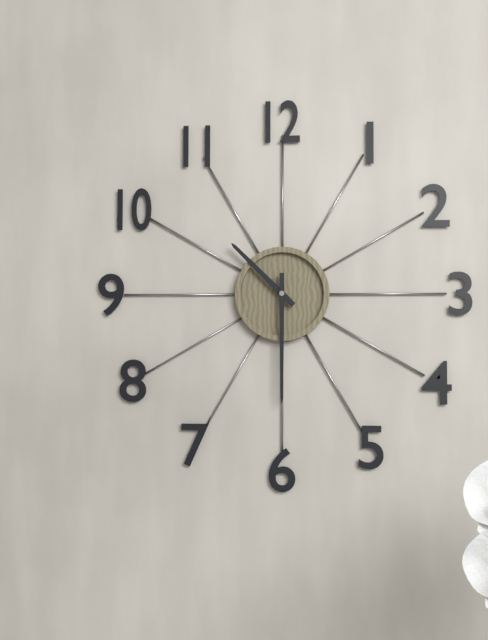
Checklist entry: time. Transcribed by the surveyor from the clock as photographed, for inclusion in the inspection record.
10:30
